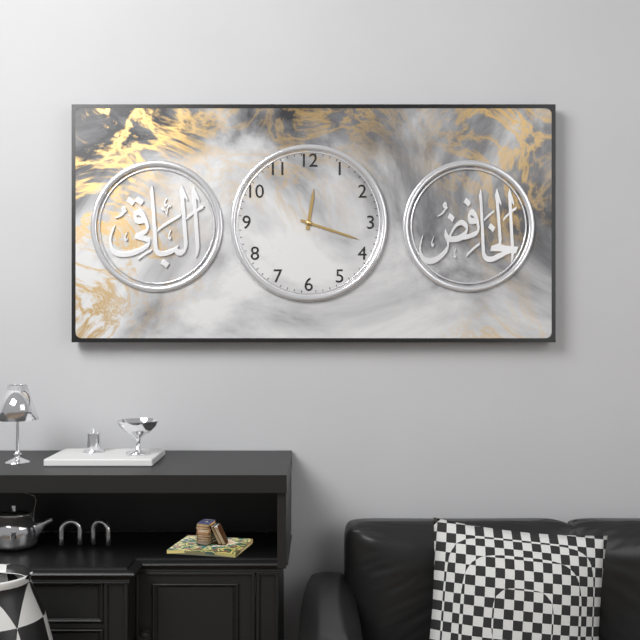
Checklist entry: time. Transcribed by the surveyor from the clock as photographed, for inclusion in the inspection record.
12:18
